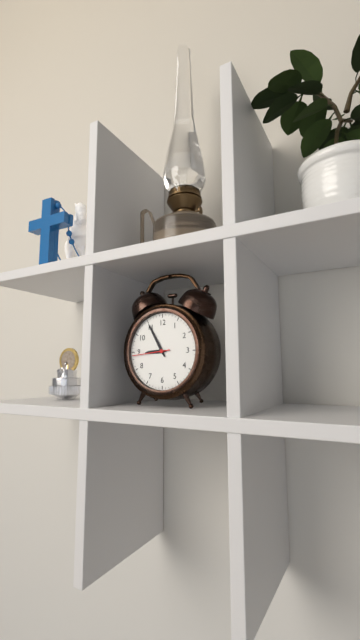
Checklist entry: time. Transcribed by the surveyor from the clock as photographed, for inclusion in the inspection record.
8:55
